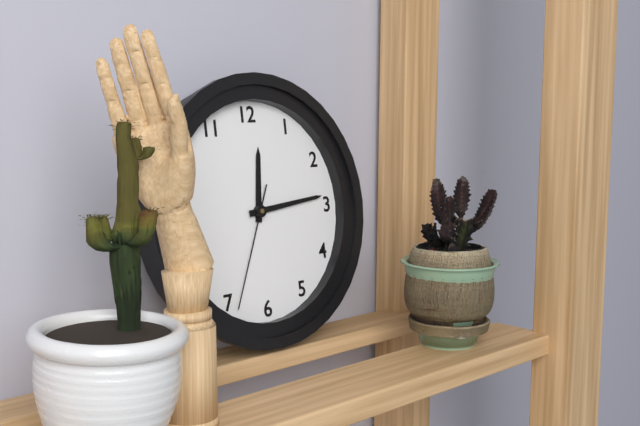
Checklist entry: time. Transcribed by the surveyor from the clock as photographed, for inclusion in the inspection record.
12:14:34
